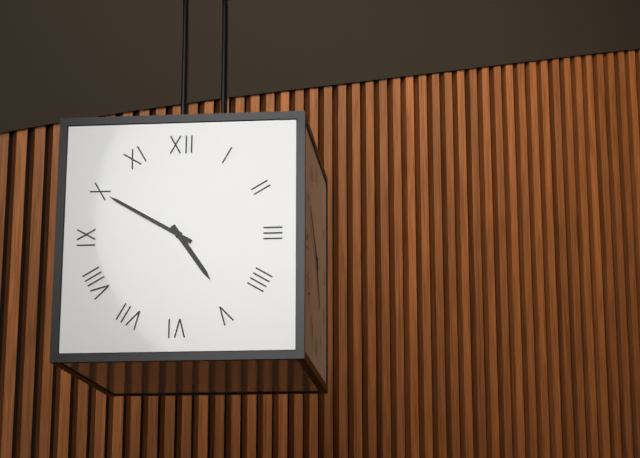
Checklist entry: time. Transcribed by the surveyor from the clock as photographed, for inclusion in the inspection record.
4:50
